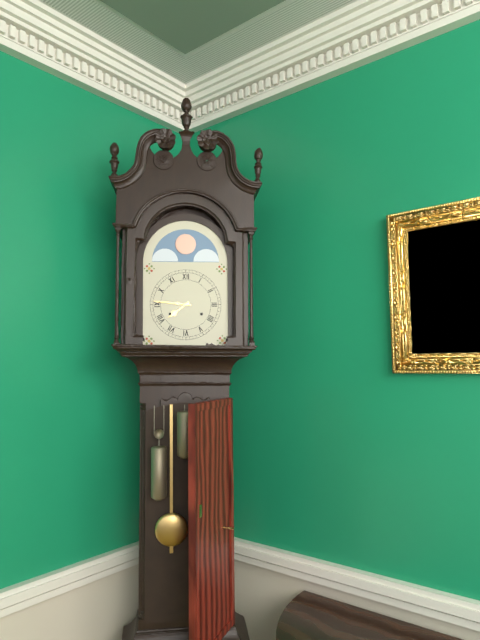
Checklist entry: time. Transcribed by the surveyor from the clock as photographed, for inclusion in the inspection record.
7:46
